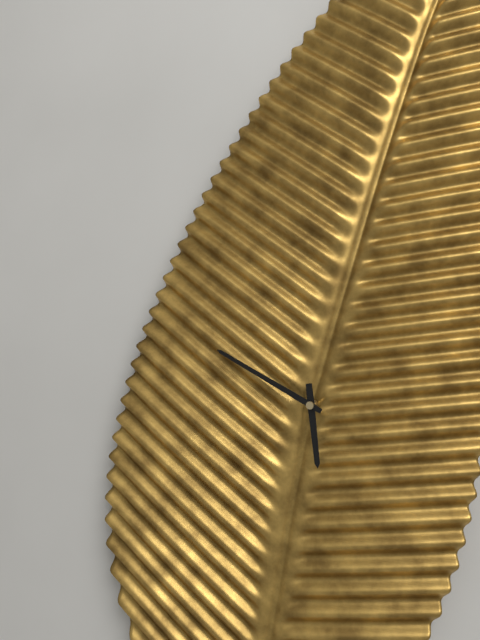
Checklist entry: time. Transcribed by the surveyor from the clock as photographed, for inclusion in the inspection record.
5:50
